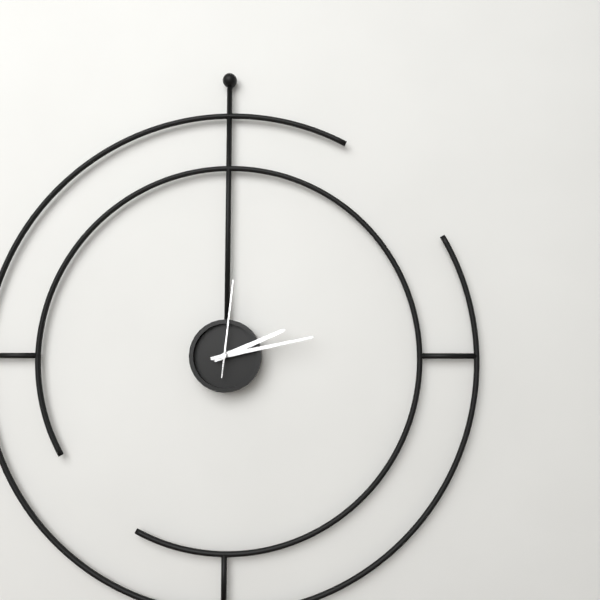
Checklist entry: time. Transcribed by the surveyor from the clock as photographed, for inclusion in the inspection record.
2:13:01
